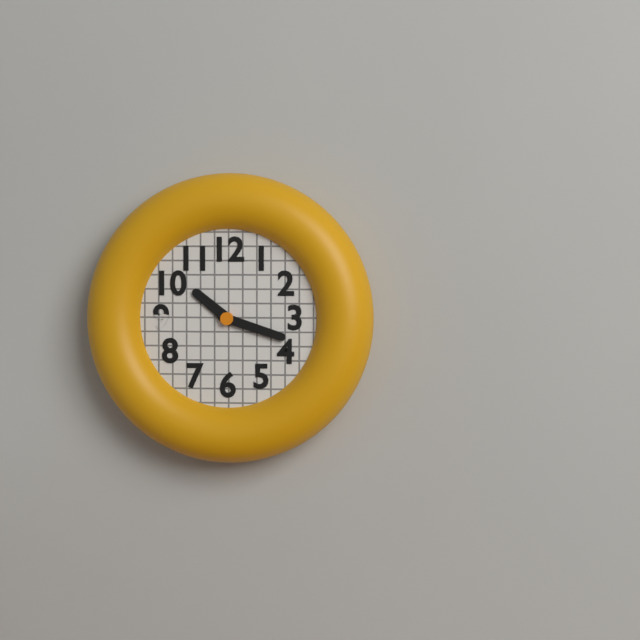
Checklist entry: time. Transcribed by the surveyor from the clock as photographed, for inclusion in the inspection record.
10:18
